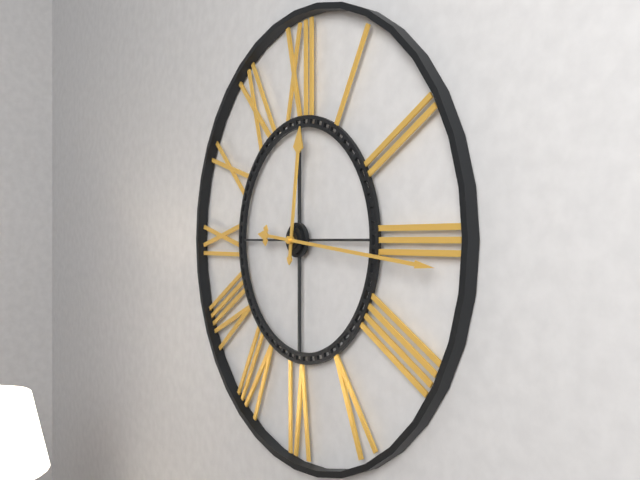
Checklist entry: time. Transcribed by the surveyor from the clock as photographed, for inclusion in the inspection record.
12:16
